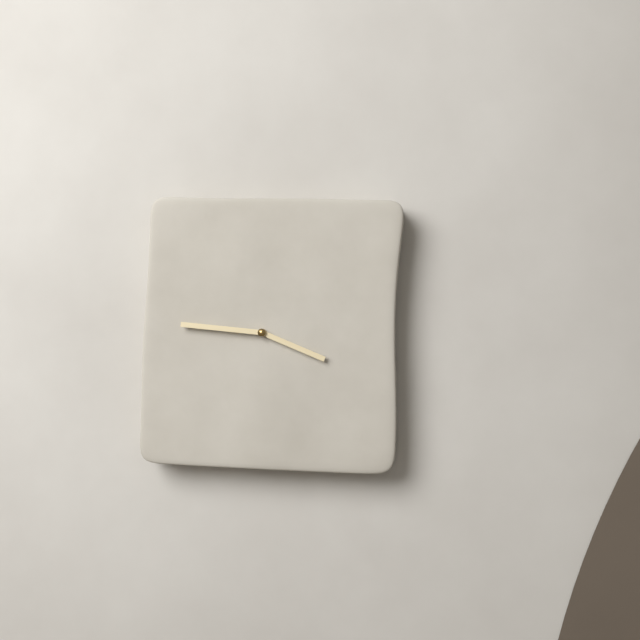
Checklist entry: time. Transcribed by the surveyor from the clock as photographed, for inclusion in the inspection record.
3:46
